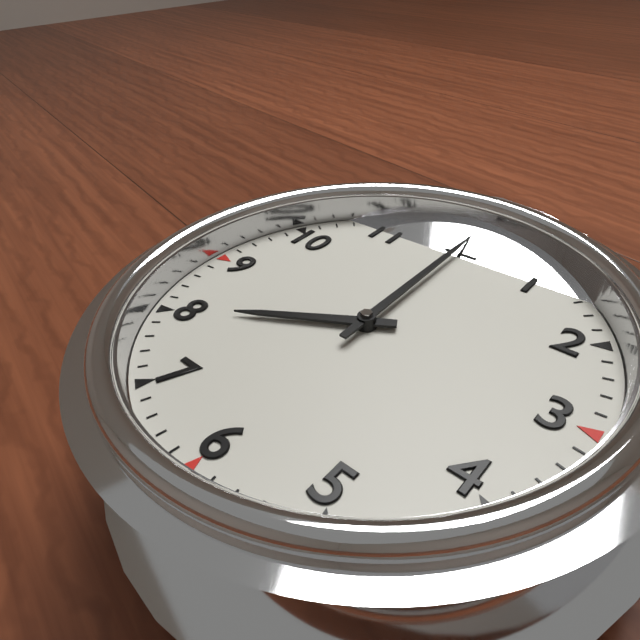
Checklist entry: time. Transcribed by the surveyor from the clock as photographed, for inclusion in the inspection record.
8:00
